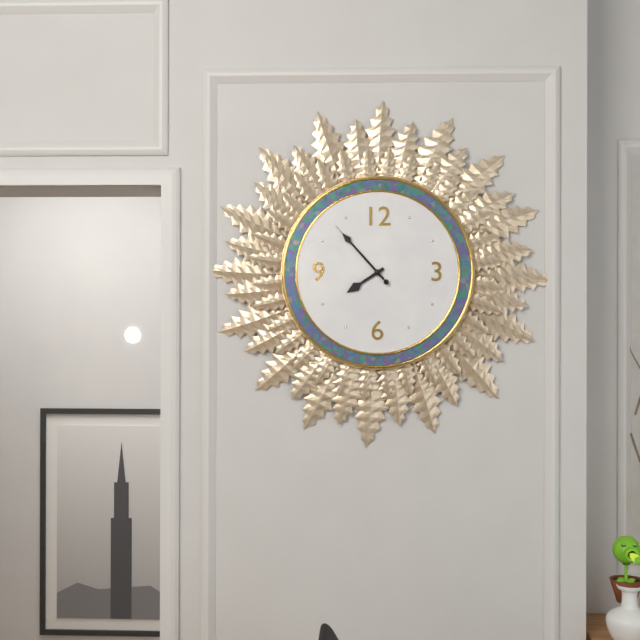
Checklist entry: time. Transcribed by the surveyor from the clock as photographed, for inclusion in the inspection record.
7:53:53
